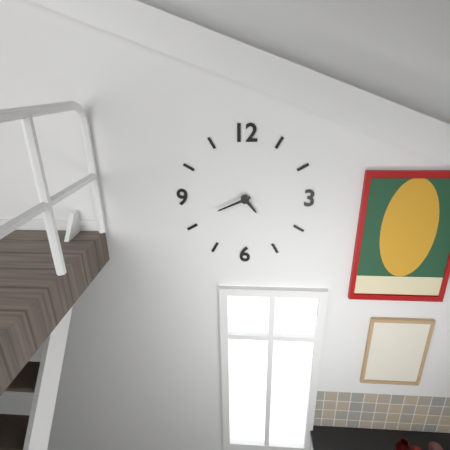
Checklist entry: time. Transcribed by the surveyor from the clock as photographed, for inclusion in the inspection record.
4:41
